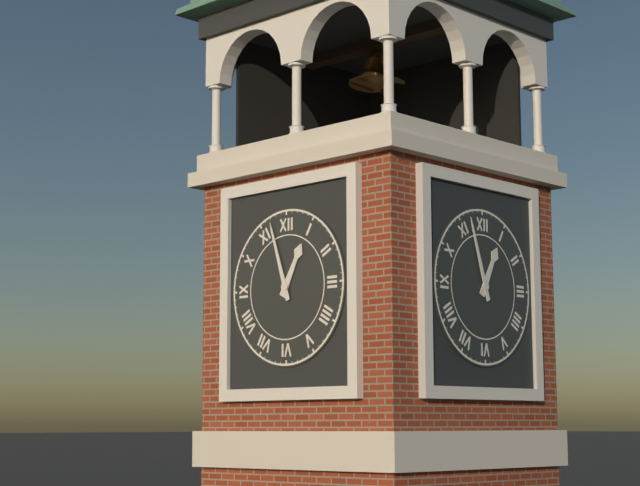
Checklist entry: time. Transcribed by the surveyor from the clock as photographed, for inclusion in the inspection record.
12:57
